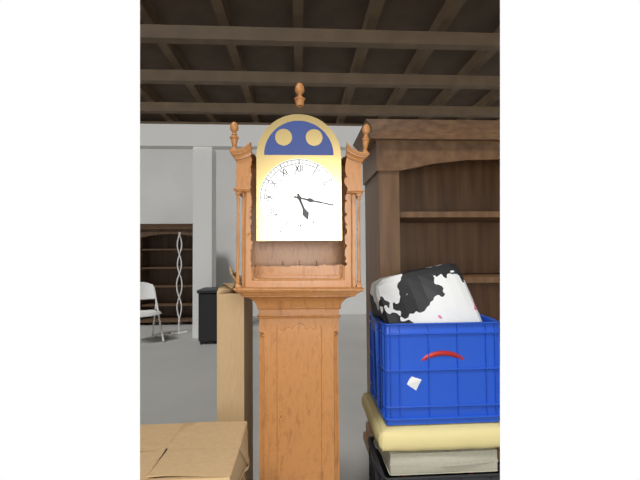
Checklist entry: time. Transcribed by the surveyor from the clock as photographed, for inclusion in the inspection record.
5:17
